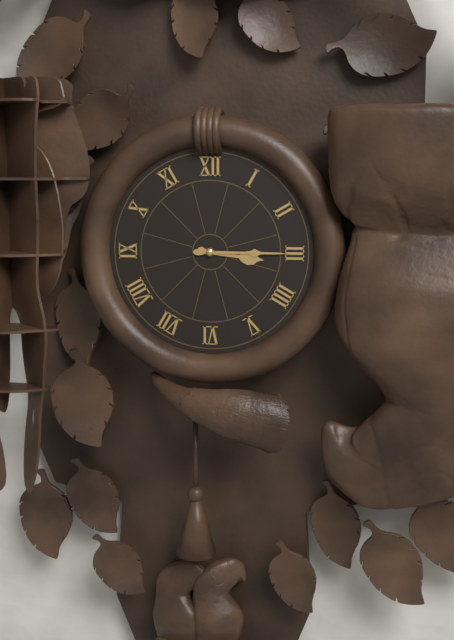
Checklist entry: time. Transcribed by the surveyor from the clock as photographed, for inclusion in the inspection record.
3:15
